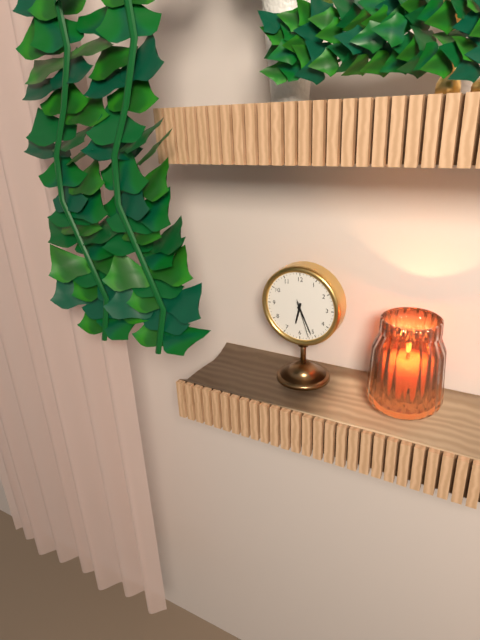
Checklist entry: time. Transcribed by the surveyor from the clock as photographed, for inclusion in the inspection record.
6:26
